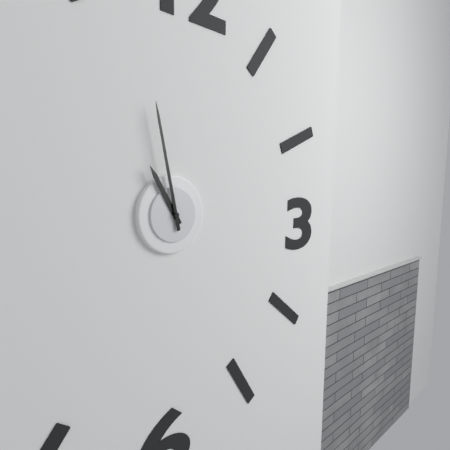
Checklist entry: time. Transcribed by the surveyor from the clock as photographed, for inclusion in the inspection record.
10:58
